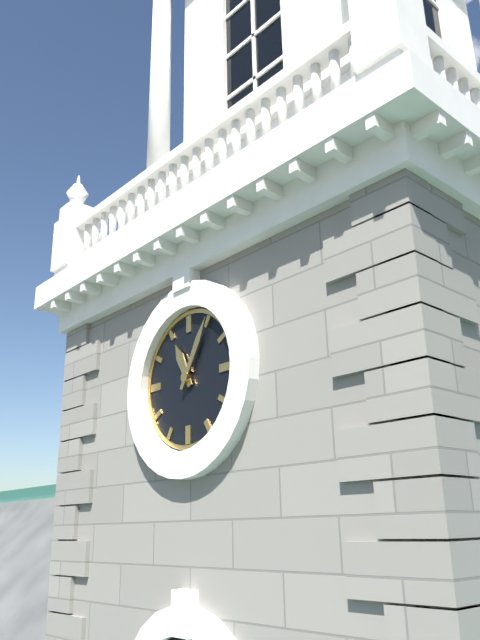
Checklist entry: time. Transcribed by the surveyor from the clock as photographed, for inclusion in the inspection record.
11:05
